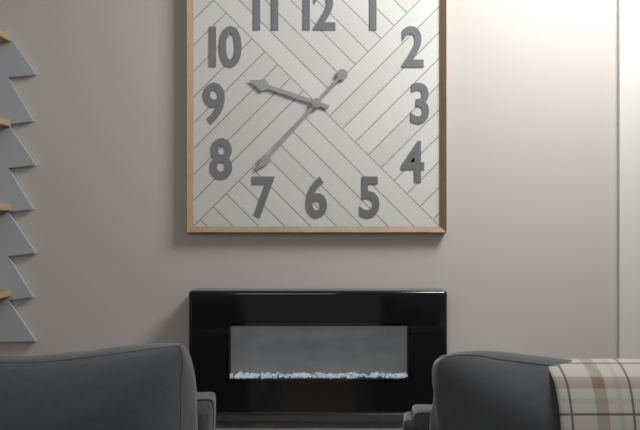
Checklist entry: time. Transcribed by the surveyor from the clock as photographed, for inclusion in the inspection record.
9:37
